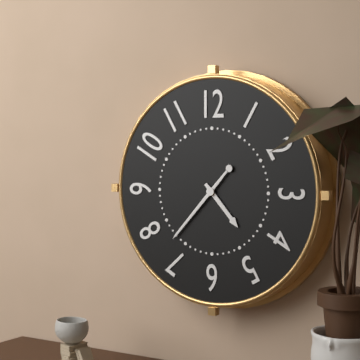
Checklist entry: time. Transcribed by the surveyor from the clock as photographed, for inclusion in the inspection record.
4:37
